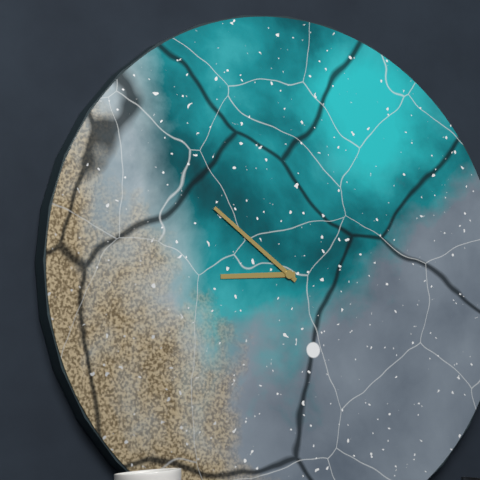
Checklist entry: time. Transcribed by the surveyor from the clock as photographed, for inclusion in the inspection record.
8:51
